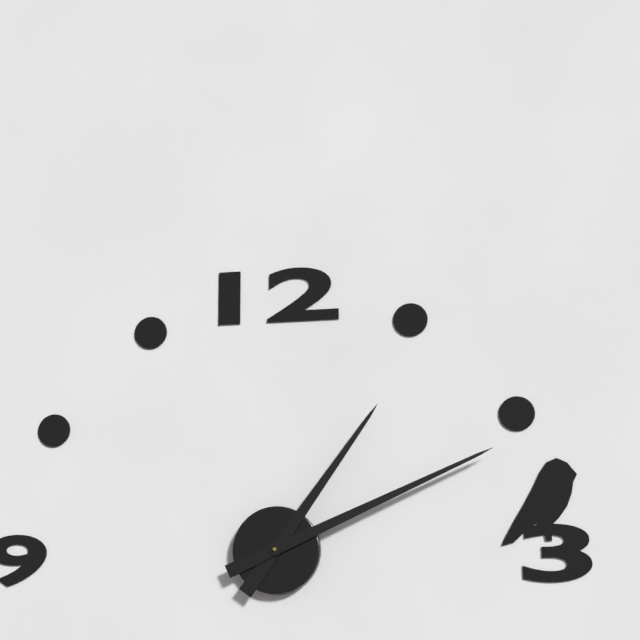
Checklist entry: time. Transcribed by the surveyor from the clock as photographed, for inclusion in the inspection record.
1:11
